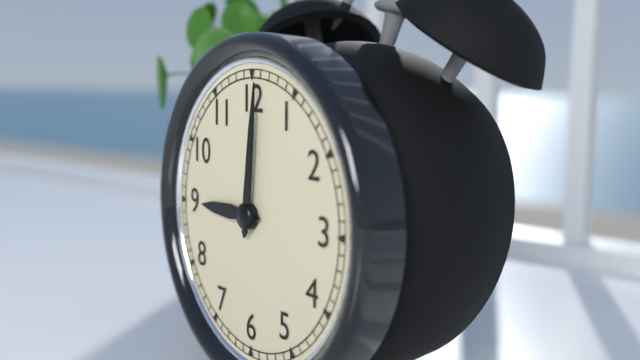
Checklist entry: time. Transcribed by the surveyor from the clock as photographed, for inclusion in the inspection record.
9:01
